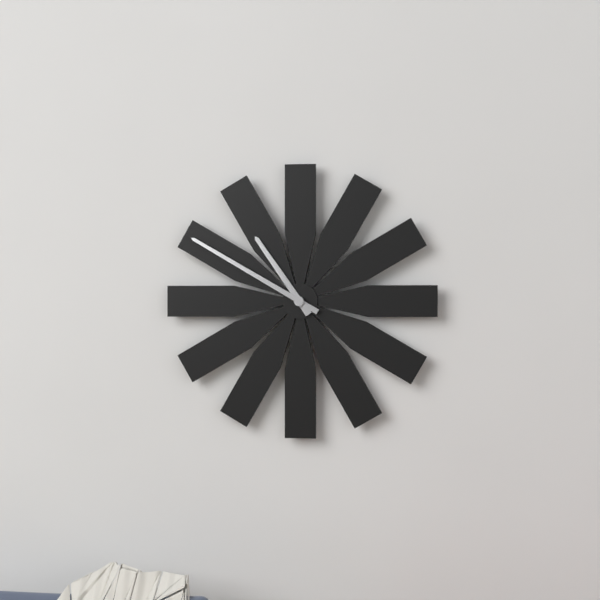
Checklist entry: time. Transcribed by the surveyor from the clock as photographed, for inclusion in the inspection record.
10:50
